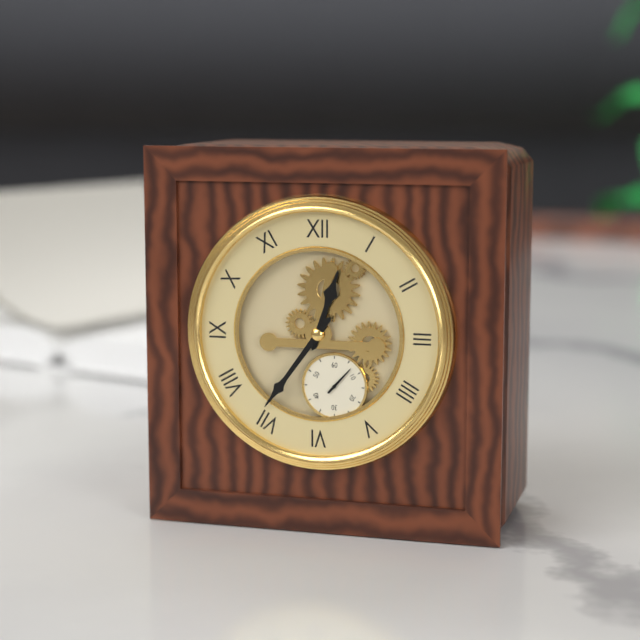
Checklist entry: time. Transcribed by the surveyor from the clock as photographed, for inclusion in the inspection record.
12:36
